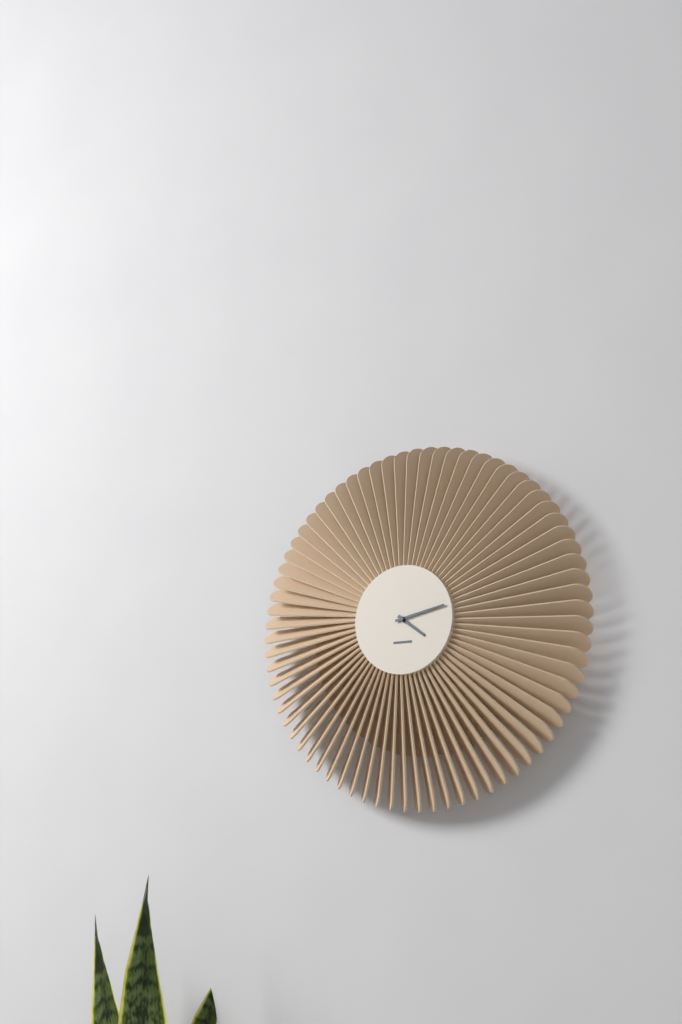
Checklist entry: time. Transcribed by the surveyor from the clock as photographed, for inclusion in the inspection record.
4:13
